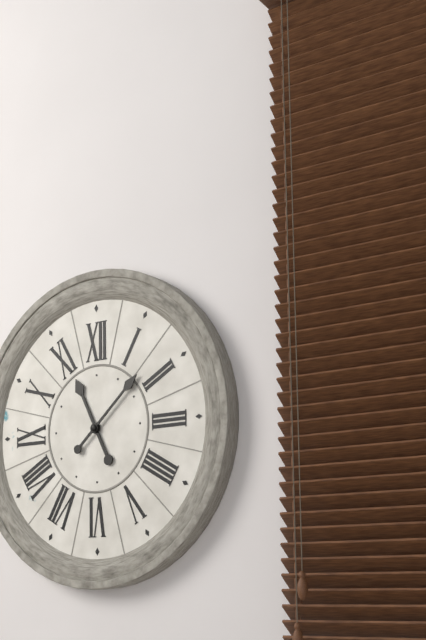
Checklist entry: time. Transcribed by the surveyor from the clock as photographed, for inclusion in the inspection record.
11:08
